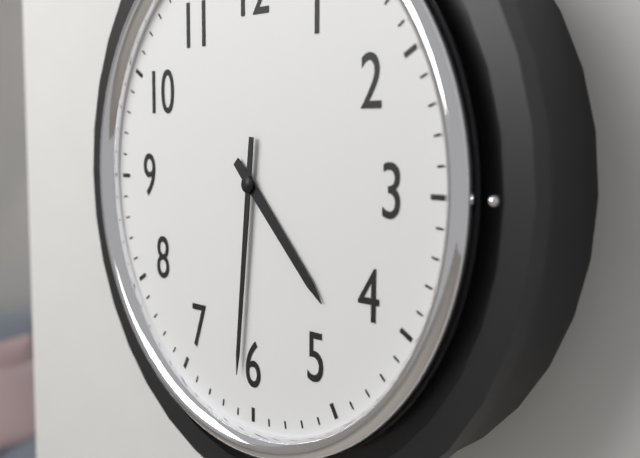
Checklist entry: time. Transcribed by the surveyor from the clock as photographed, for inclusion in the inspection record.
4:31
